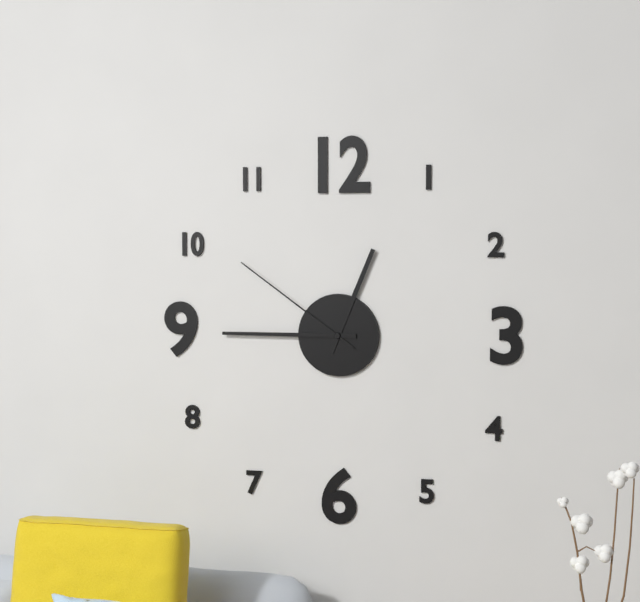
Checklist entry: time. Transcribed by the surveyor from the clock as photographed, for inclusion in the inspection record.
12:45:51
